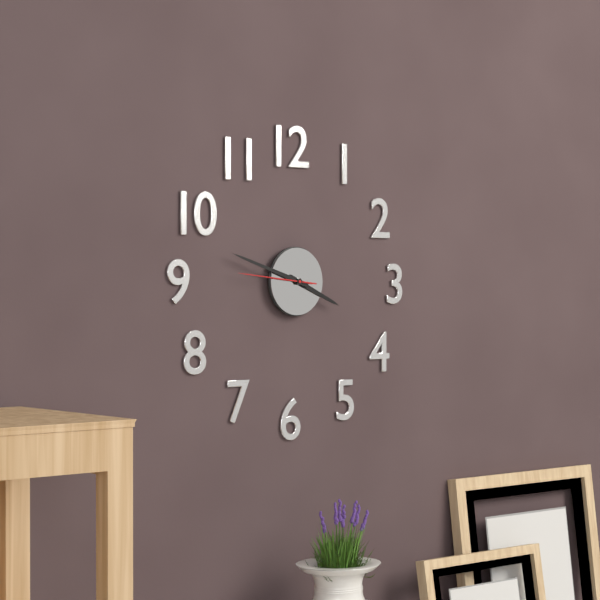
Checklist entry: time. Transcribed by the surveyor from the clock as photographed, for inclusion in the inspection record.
3:48:46
